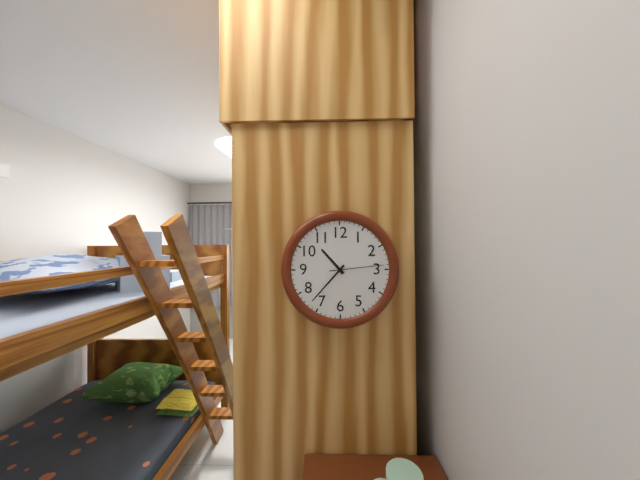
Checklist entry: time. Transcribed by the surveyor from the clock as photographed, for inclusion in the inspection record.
10:37:14
